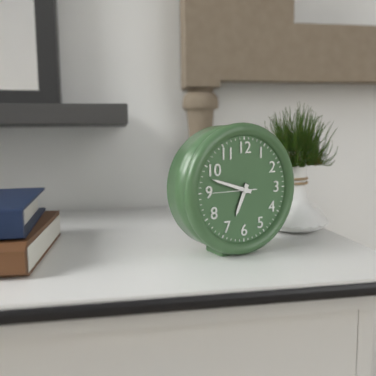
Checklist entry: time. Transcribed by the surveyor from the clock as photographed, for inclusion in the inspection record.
6:48
